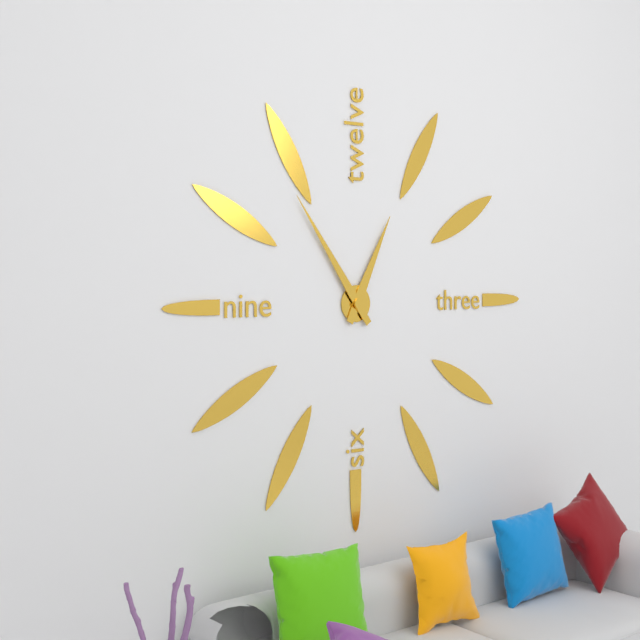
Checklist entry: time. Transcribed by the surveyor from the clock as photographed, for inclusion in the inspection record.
12:54
